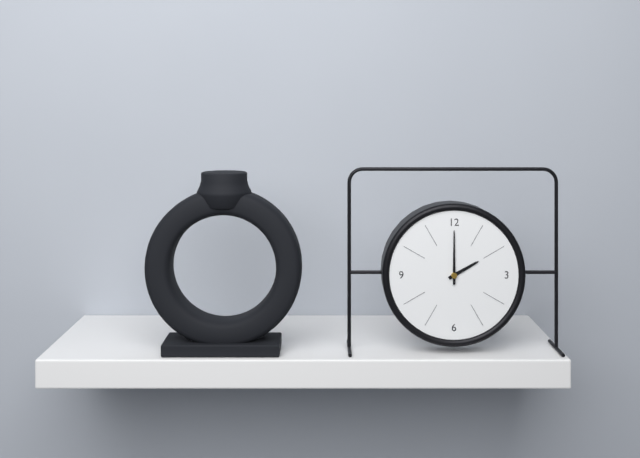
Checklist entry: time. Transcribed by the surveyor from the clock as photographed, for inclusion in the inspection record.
2:00
